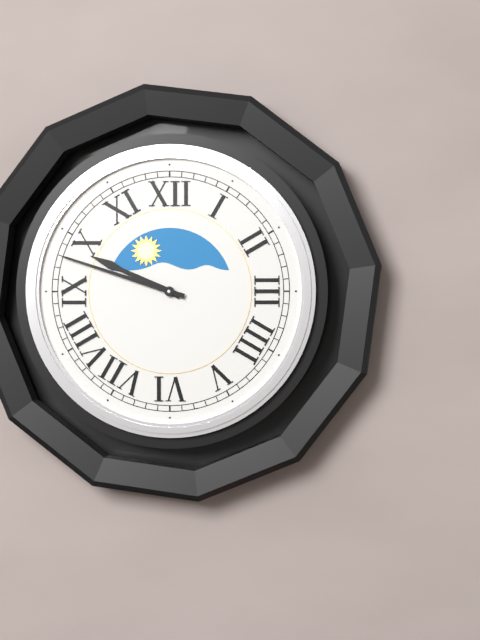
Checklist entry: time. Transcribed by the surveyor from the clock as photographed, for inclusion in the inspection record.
9:48
